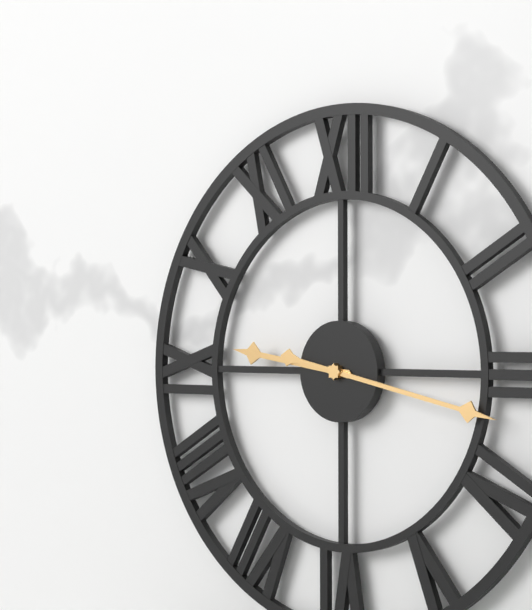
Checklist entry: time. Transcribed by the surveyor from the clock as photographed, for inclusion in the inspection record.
9:17
